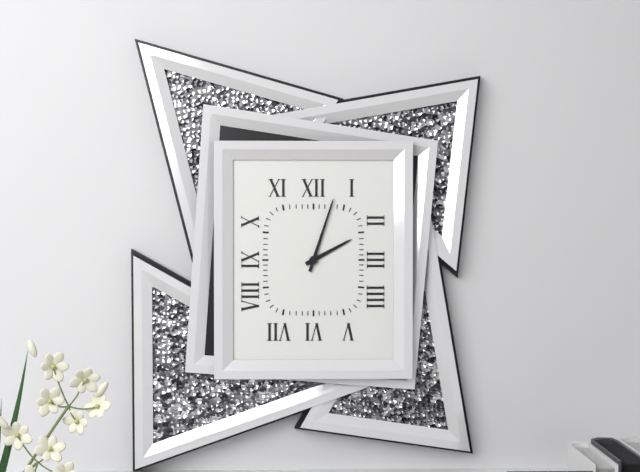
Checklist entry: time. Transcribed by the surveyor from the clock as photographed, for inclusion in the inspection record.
2:03
